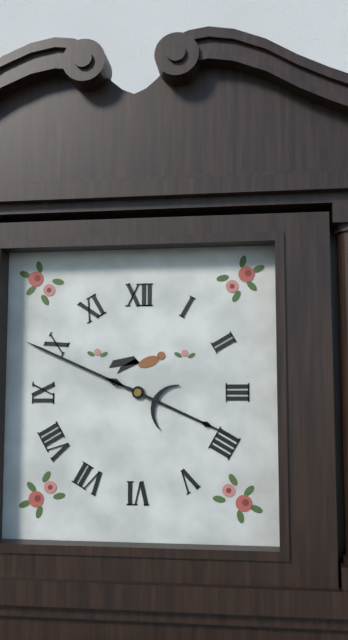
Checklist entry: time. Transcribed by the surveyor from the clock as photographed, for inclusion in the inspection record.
3:49
